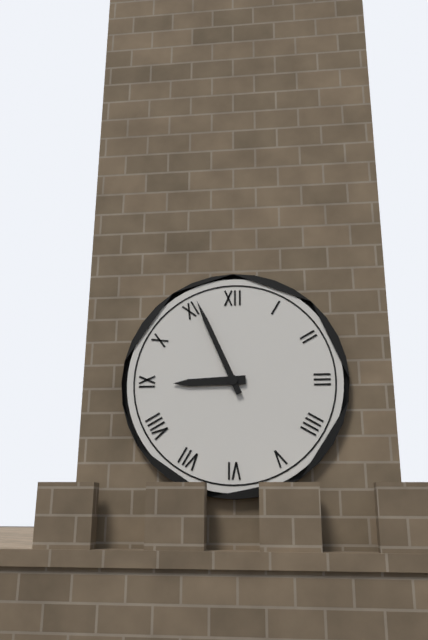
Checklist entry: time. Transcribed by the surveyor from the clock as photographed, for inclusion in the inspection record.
8:56
